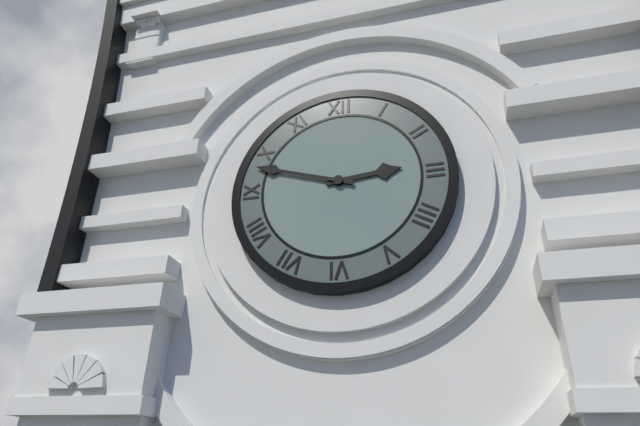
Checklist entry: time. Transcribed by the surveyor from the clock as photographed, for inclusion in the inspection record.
2:48
